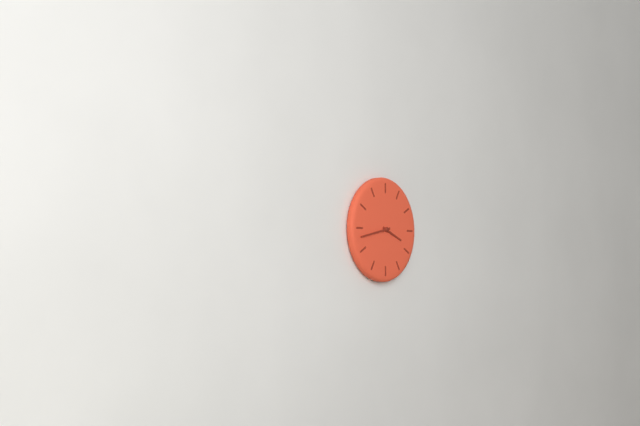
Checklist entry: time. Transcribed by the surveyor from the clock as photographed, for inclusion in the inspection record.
3:43
